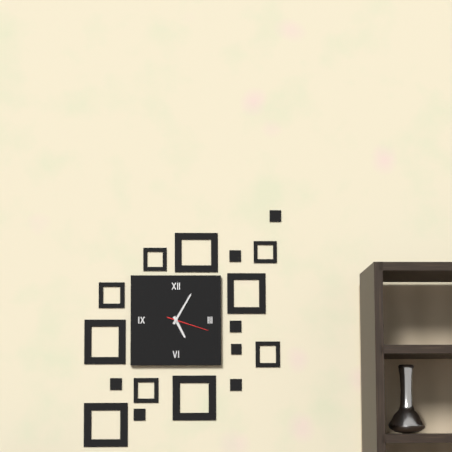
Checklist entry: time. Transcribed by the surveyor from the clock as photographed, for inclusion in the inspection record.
5:05
